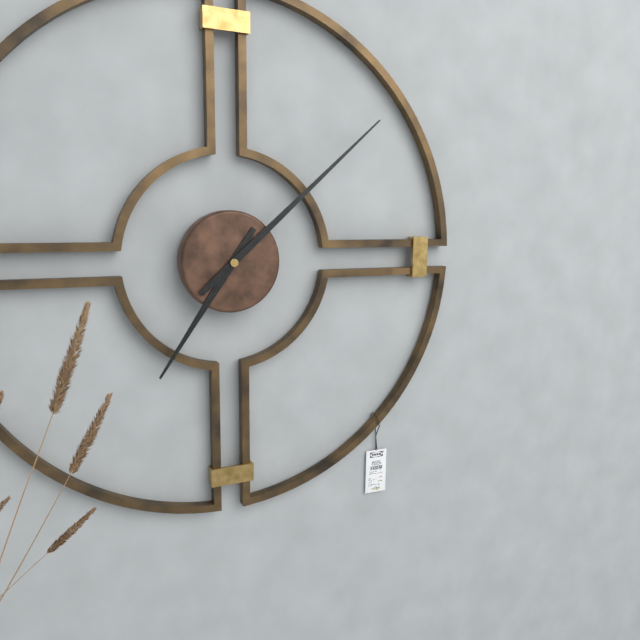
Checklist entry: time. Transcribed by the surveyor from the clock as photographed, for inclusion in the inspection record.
7:08
